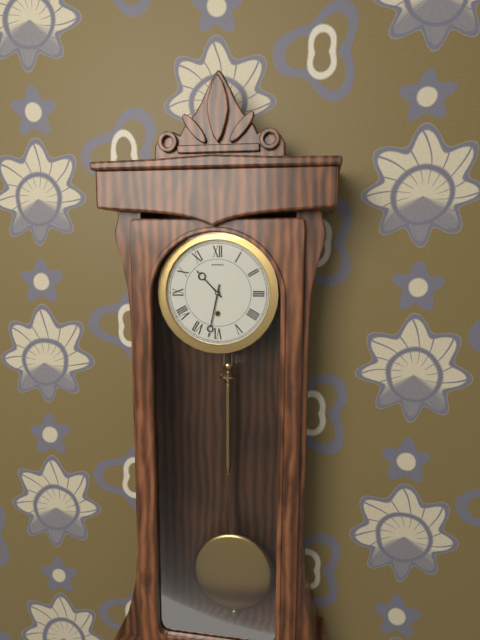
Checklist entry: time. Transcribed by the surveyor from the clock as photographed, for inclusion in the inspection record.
10:32
